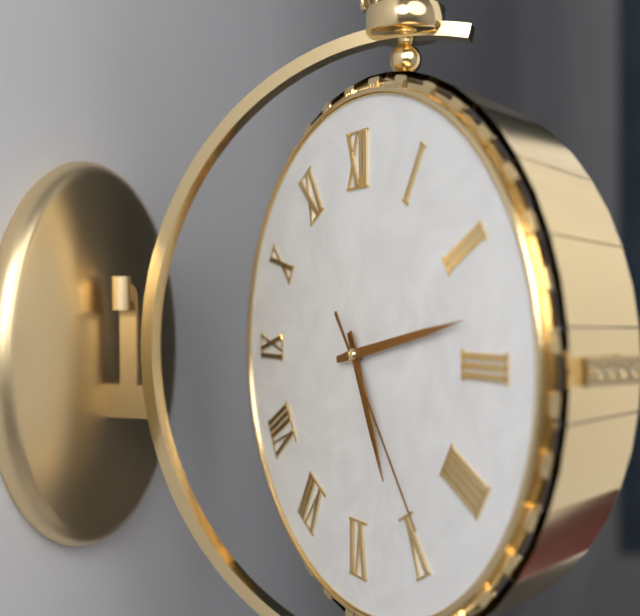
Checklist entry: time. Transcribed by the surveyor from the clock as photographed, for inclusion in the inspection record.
5:13:24
